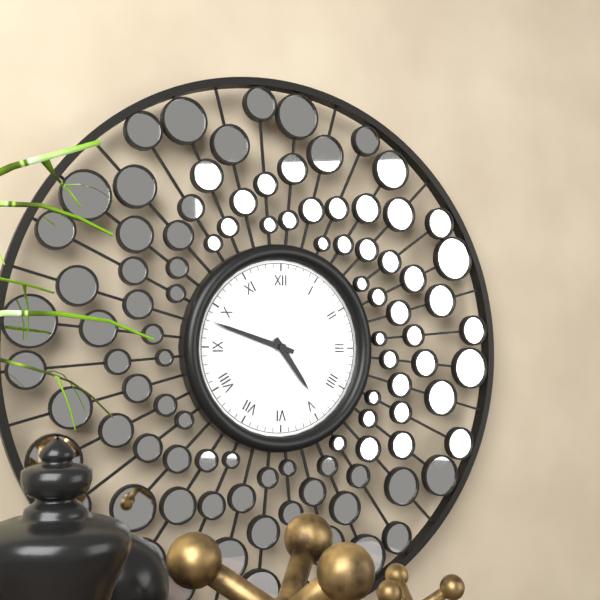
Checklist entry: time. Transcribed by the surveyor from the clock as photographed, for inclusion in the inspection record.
4:48
